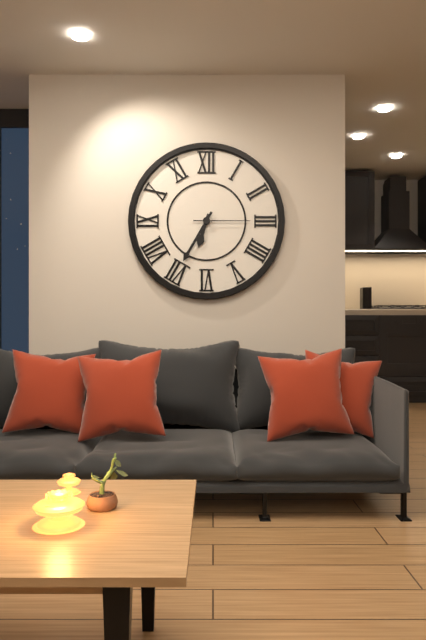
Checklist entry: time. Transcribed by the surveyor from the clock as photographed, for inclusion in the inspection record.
6:35:15
